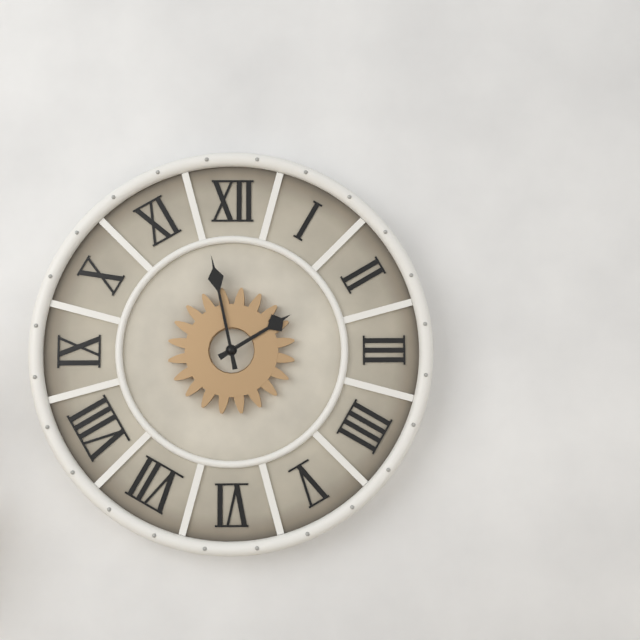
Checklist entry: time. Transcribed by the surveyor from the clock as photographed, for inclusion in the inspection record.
1:58
